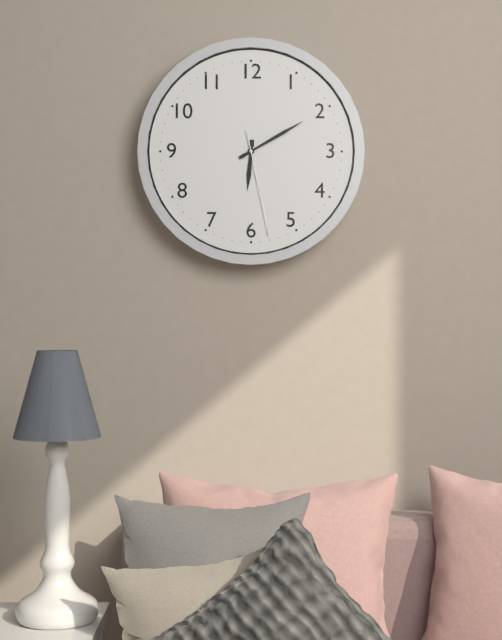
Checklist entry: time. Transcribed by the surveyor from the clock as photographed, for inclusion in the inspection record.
6:10:28
